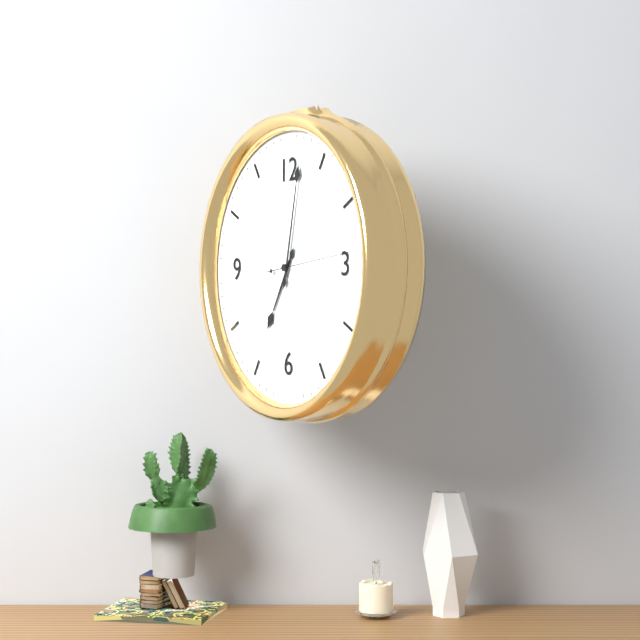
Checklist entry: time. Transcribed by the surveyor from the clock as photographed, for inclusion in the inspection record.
7:02:14
